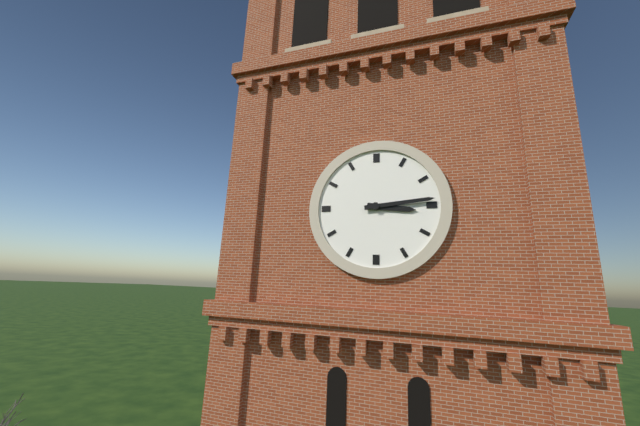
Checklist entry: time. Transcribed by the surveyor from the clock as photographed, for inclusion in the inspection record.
3:14
